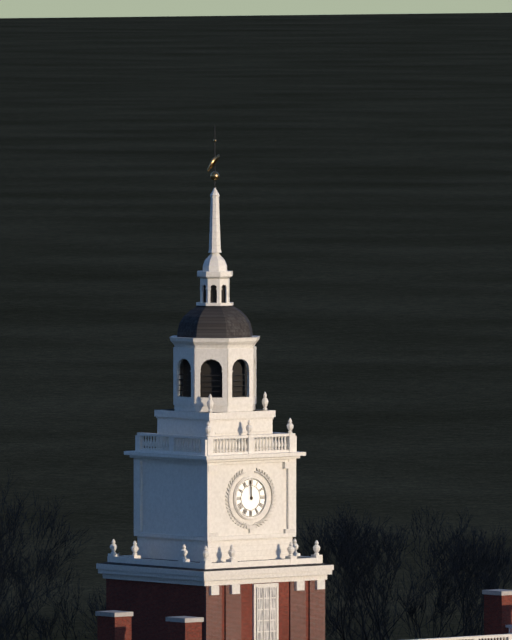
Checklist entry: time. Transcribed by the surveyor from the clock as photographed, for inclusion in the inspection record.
11:59
